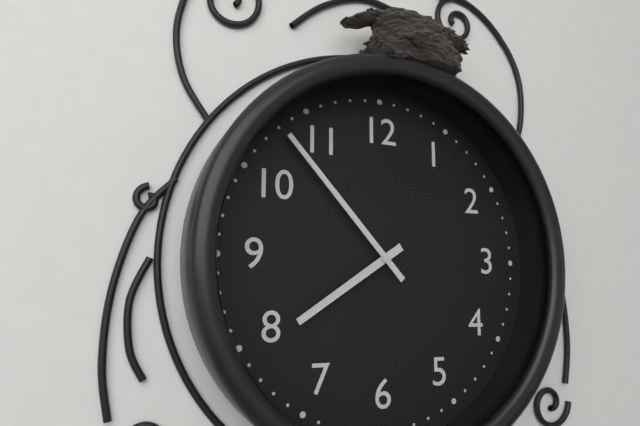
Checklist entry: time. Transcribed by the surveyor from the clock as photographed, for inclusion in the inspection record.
7:53
